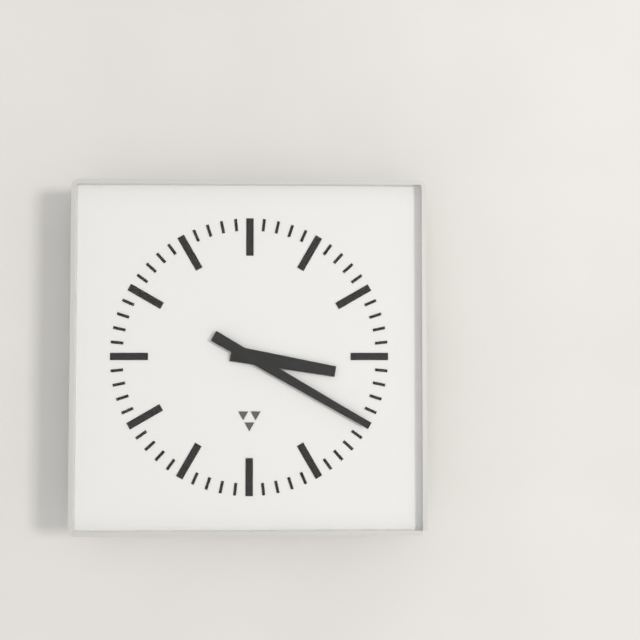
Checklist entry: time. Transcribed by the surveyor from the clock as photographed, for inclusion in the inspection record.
3:20
